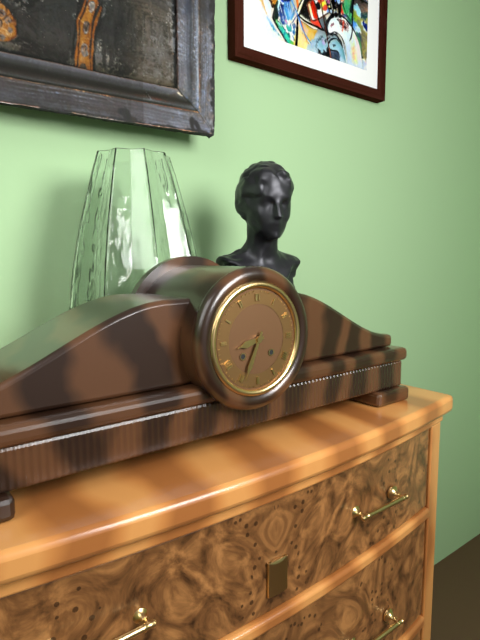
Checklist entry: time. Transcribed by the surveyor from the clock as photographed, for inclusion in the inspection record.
8:34
